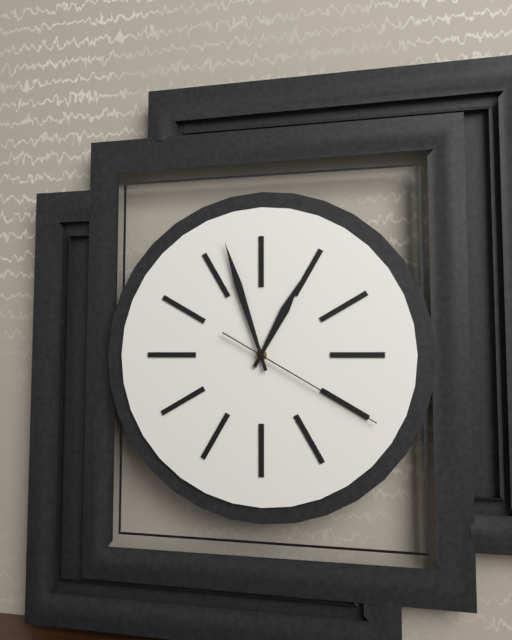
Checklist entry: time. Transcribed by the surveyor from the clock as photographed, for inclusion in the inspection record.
12:57:20
